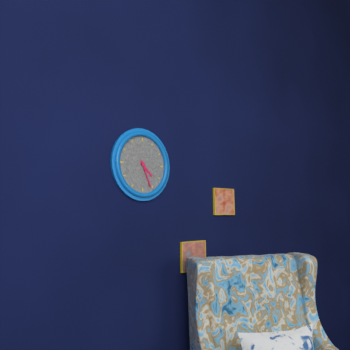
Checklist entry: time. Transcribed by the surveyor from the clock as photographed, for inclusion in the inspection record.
4:26
